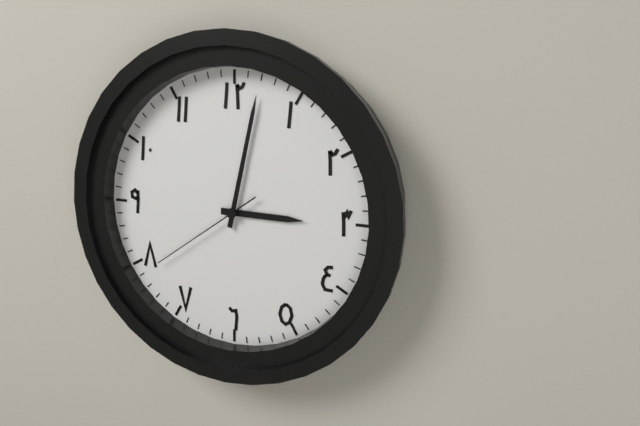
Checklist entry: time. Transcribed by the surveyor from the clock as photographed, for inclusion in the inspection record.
3:02:39
